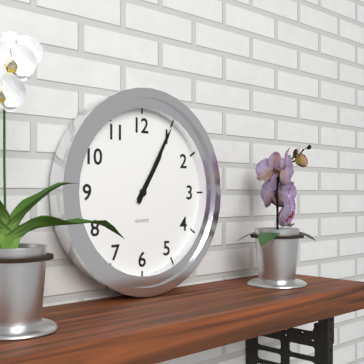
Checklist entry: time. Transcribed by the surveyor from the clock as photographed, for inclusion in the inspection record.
1:05
